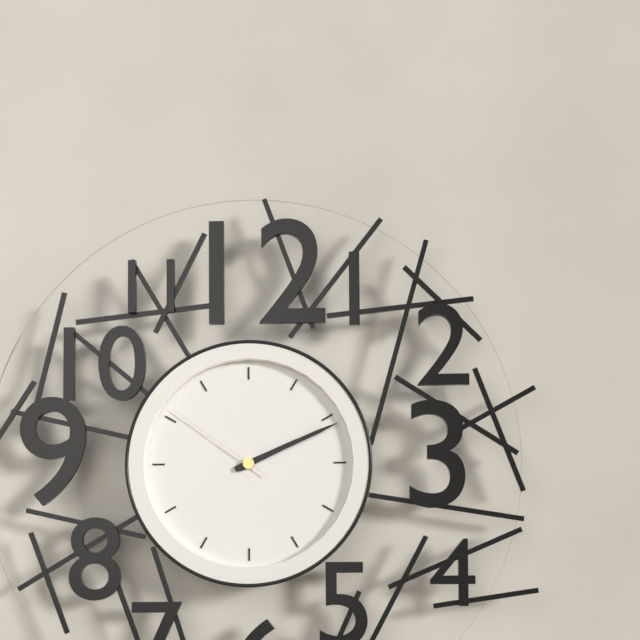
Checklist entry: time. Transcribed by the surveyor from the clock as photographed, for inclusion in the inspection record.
2:11:51
